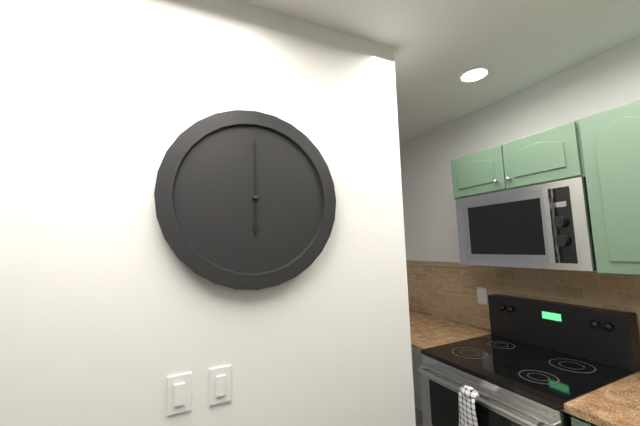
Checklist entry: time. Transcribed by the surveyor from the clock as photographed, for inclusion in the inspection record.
6:00
